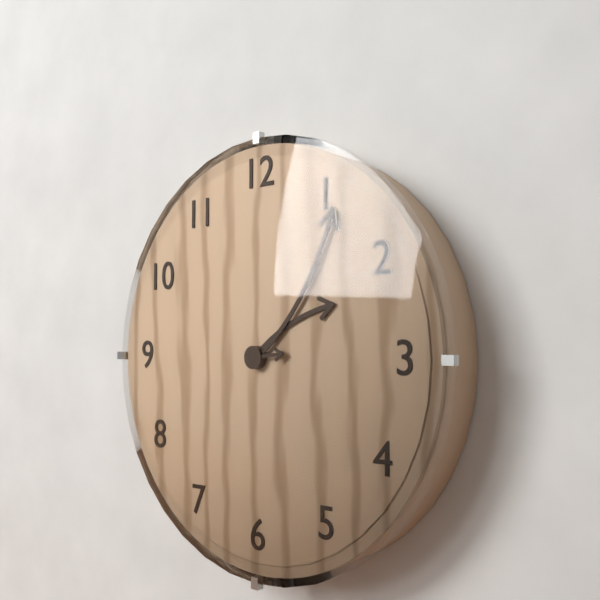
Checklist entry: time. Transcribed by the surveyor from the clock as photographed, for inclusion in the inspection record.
2:06
